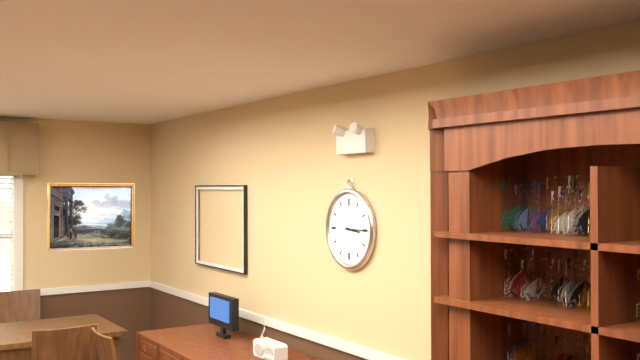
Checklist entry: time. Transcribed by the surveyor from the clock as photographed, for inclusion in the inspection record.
3:15
